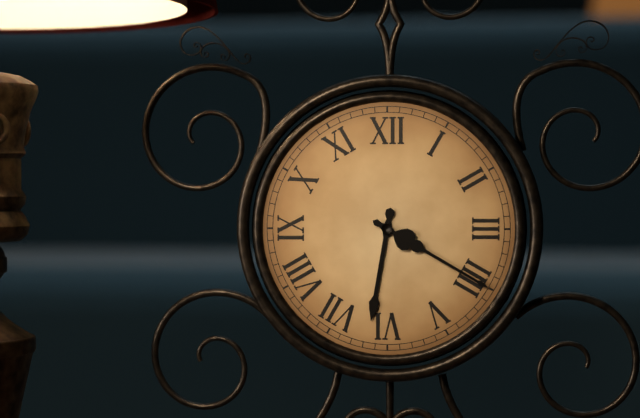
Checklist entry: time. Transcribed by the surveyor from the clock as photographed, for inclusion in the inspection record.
6:20
